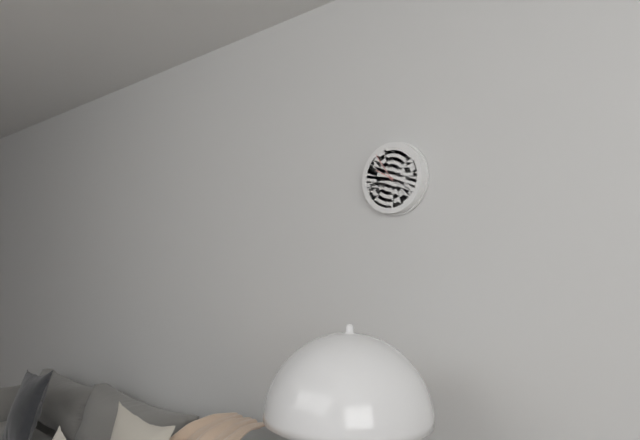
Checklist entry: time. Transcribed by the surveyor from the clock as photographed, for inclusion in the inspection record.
9:54
